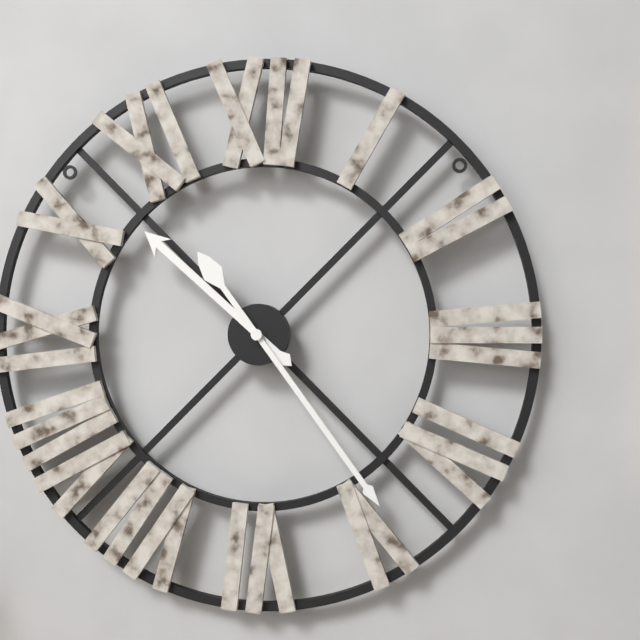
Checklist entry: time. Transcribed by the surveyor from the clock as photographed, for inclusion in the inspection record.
10:24
